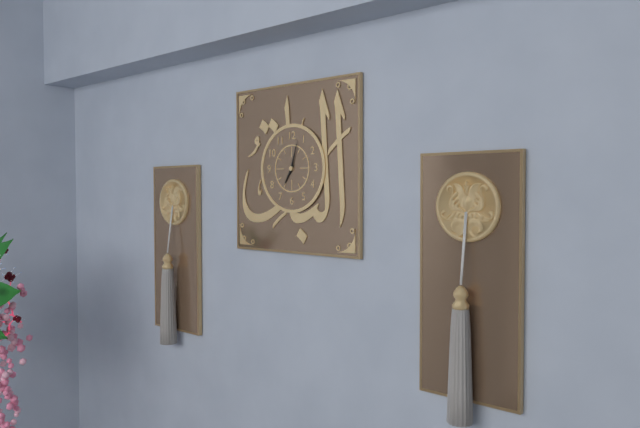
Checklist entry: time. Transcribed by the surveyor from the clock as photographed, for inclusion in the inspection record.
7:03
